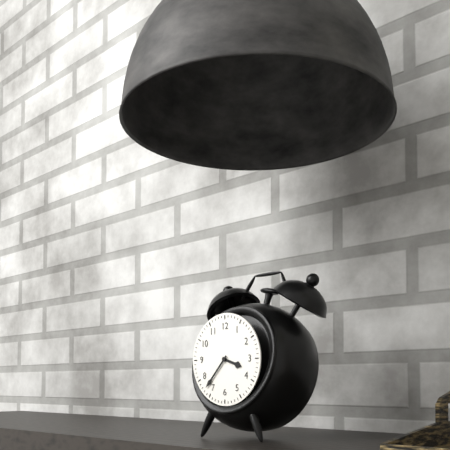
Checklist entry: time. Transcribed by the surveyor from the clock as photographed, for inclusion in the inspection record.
3:37
